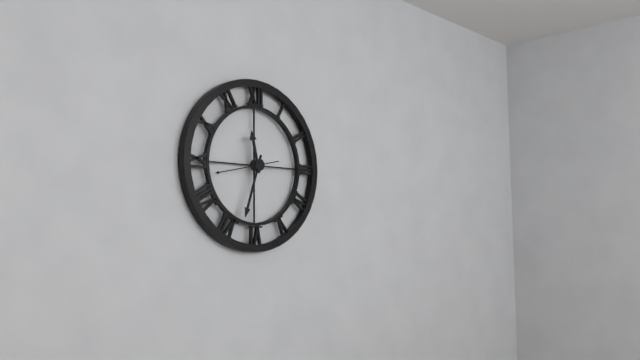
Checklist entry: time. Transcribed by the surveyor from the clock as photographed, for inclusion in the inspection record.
11:33:43
